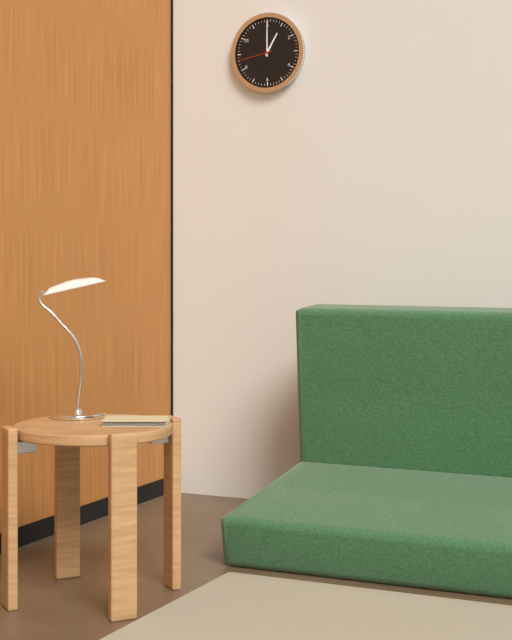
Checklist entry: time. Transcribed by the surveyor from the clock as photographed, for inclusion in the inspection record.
1:00
